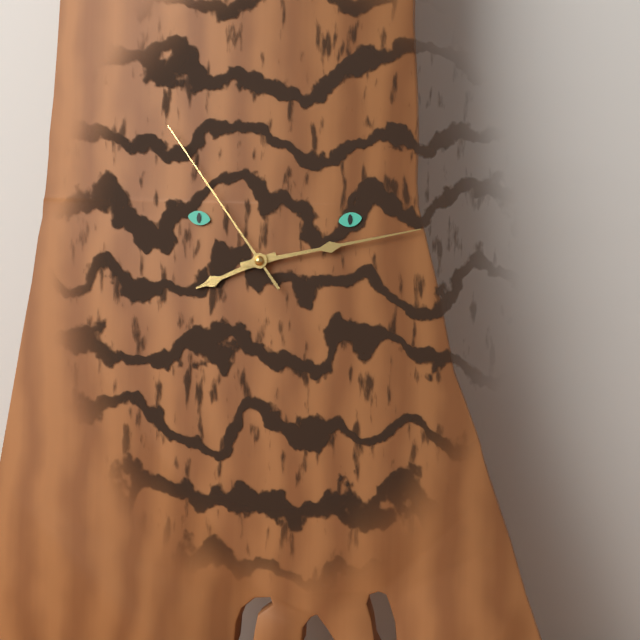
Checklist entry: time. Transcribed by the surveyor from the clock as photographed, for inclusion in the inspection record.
8:13:54
